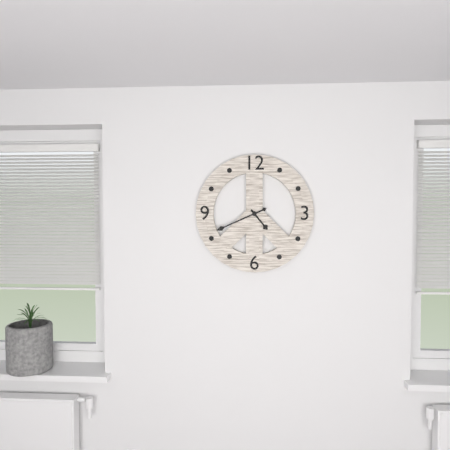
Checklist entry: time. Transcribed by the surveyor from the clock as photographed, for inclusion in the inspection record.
4:41
